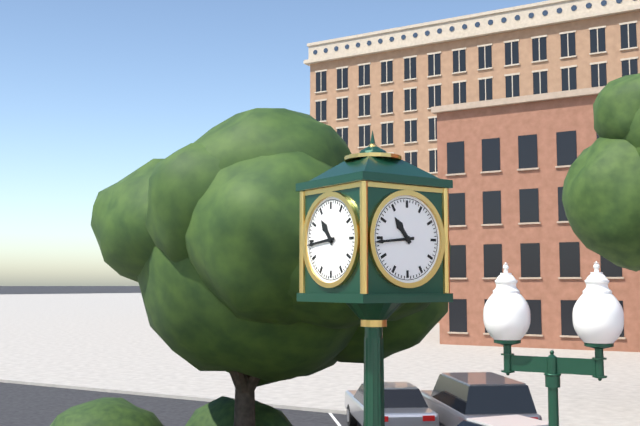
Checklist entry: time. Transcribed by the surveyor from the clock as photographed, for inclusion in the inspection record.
10:44
